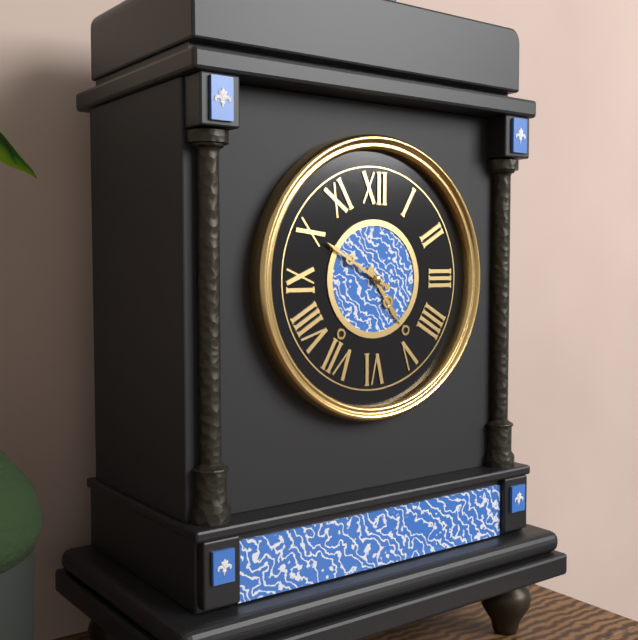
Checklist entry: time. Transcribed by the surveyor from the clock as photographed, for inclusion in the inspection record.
4:50
